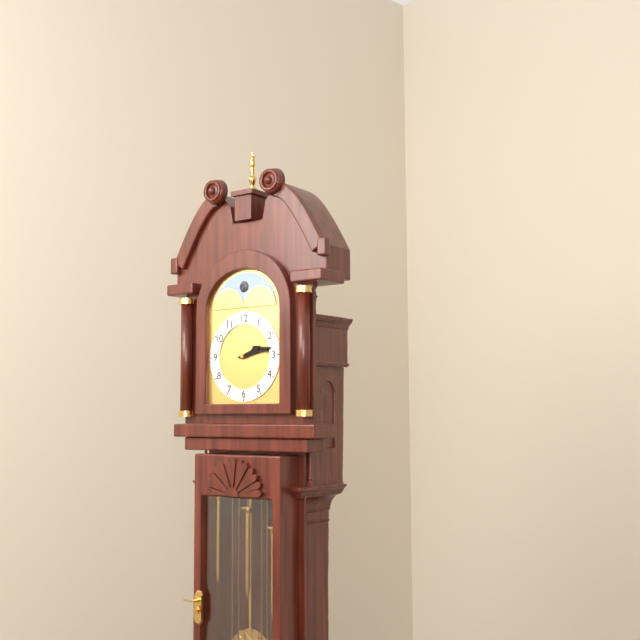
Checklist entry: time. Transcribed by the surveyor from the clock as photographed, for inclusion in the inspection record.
2:13
